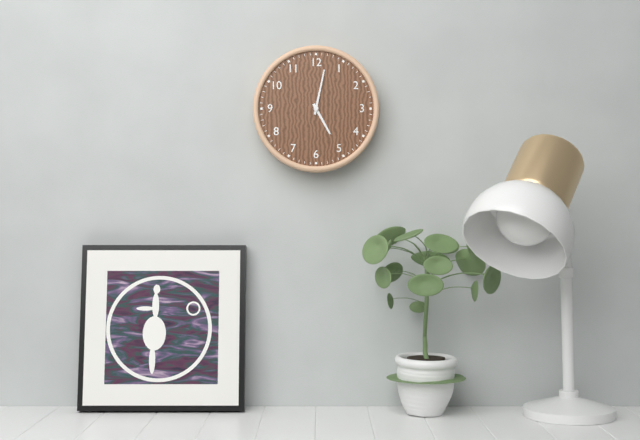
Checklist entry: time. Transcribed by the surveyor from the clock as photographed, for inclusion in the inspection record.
5:02
